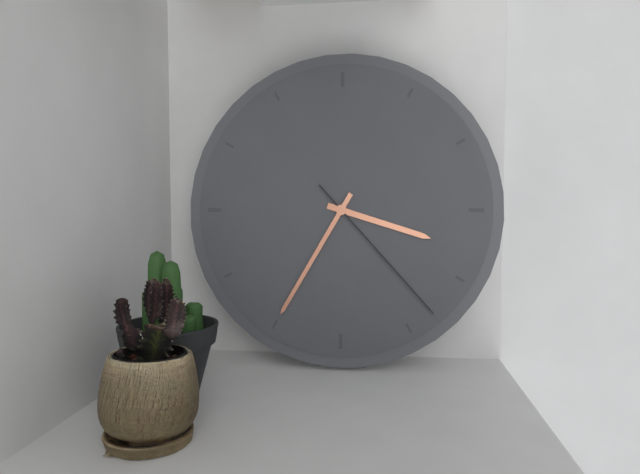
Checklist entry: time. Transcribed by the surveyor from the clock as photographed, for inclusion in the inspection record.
3:35:23
